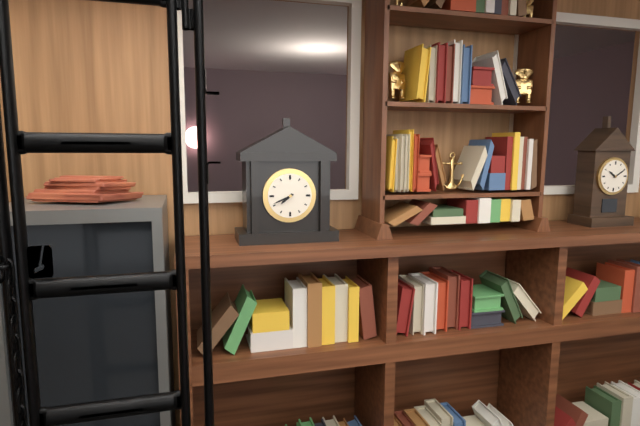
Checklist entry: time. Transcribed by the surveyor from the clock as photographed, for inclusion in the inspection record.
7:41
